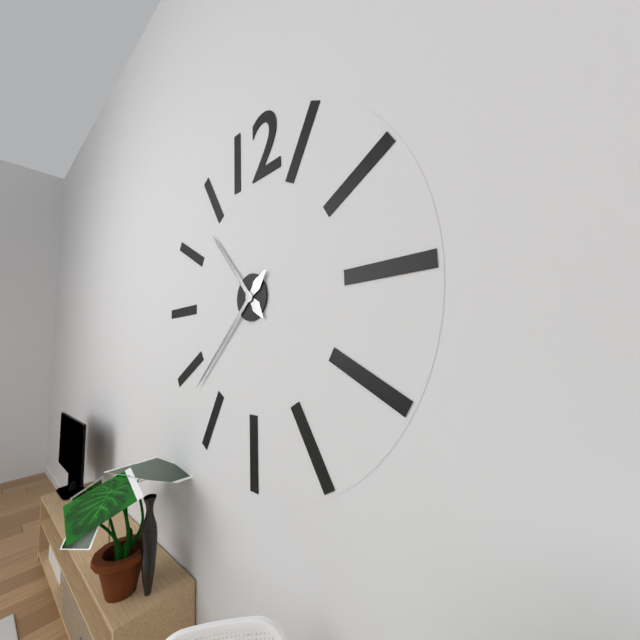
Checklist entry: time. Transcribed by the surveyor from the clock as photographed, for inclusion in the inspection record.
10:38
